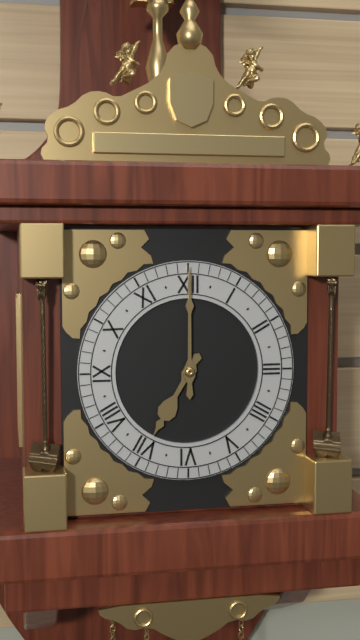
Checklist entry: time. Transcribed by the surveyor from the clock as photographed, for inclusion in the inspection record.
7:00
